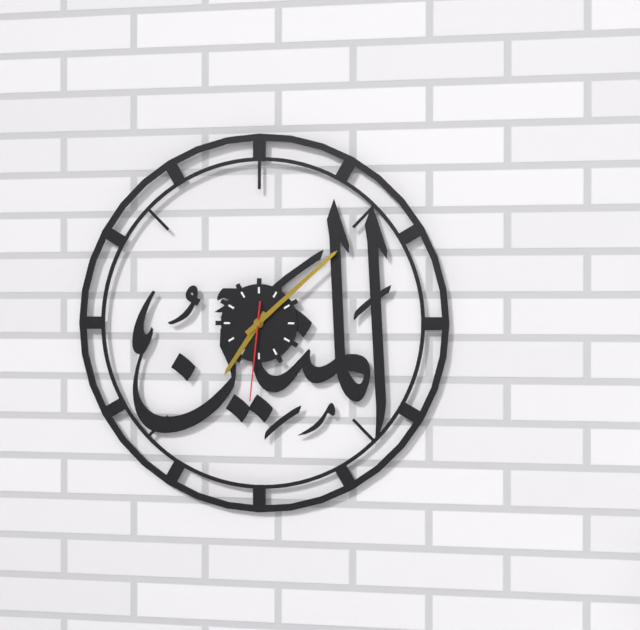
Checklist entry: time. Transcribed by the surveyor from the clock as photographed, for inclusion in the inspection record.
7:08:31
